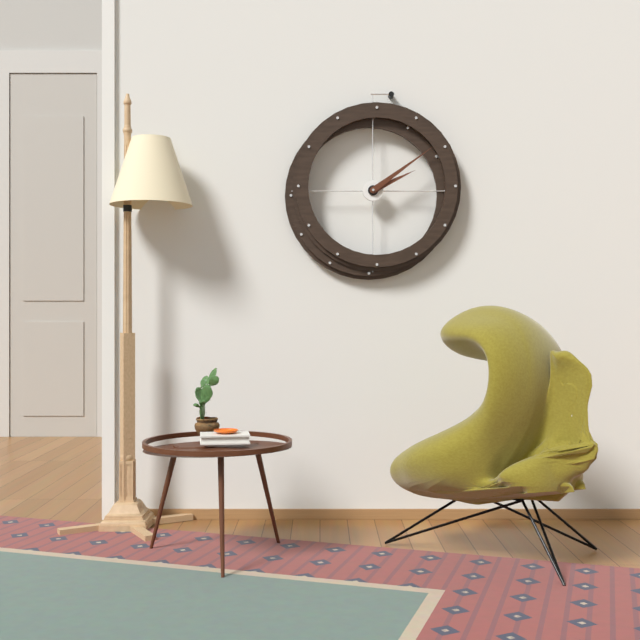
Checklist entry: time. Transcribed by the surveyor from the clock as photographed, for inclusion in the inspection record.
2:09
